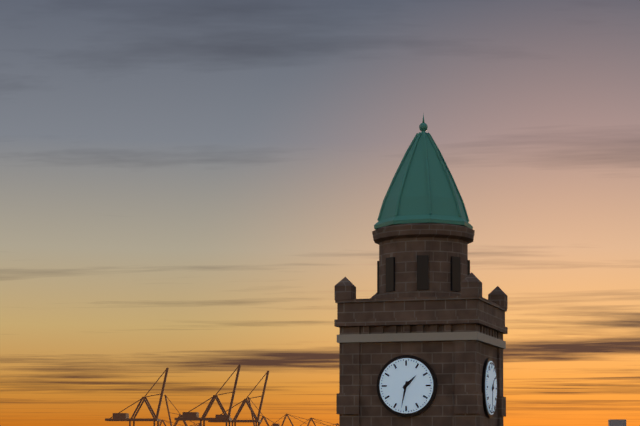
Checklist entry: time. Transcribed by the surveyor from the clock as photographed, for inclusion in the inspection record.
1:32
